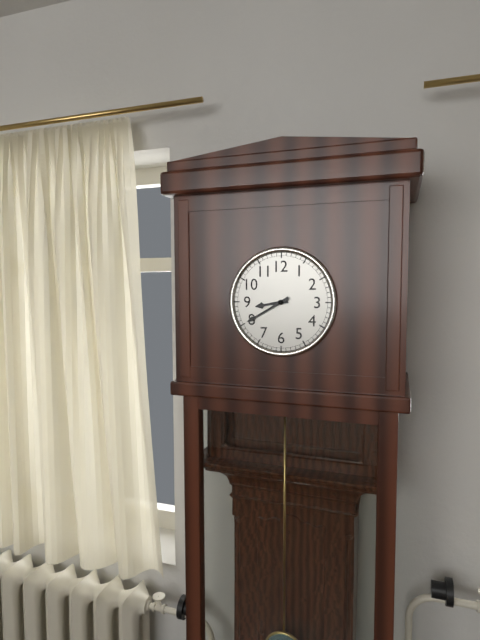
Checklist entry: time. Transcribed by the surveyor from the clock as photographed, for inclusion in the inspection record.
8:40
